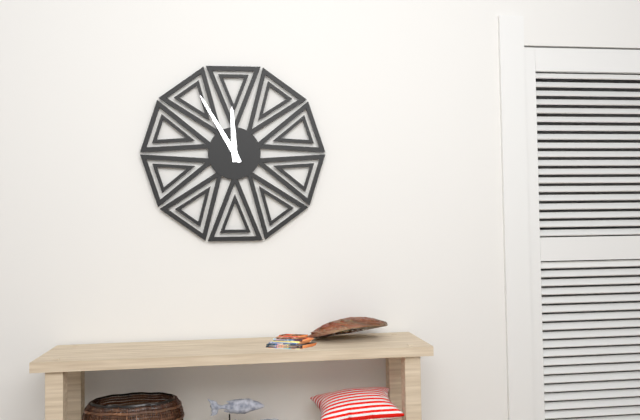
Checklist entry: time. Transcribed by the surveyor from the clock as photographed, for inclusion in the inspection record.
11:55
